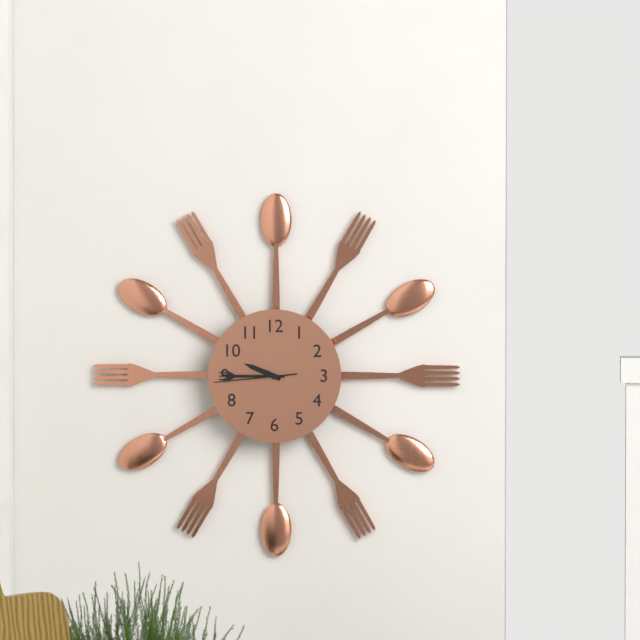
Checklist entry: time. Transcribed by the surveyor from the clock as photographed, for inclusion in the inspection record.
9:45:44
